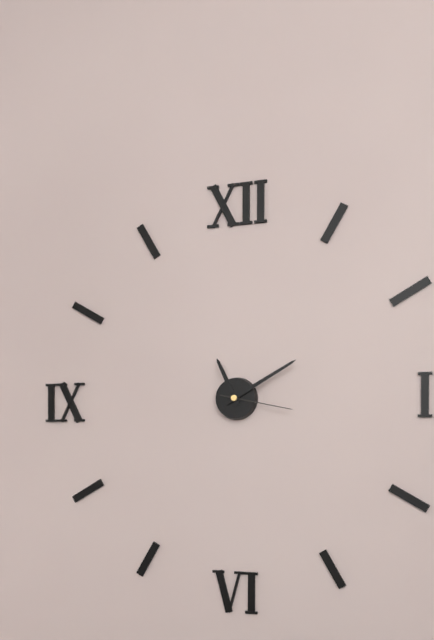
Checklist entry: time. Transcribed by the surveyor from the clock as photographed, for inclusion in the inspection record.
11:10:17
